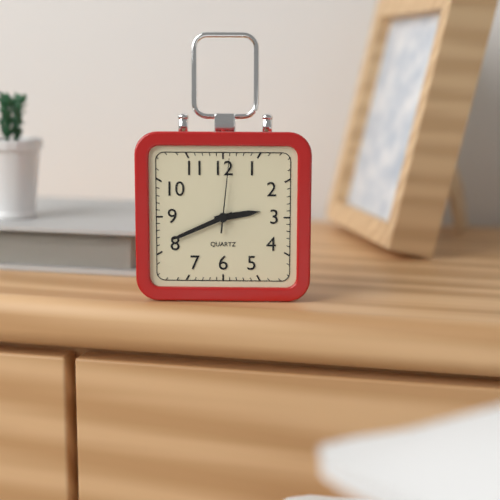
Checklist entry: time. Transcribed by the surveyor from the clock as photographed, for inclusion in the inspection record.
2:41:01
